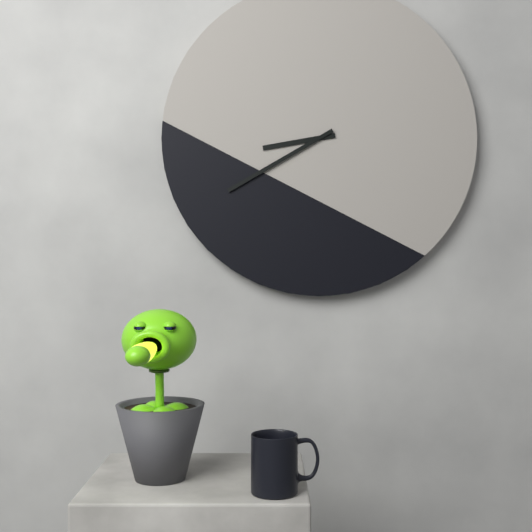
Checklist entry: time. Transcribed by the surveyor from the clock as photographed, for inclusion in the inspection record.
8:40
